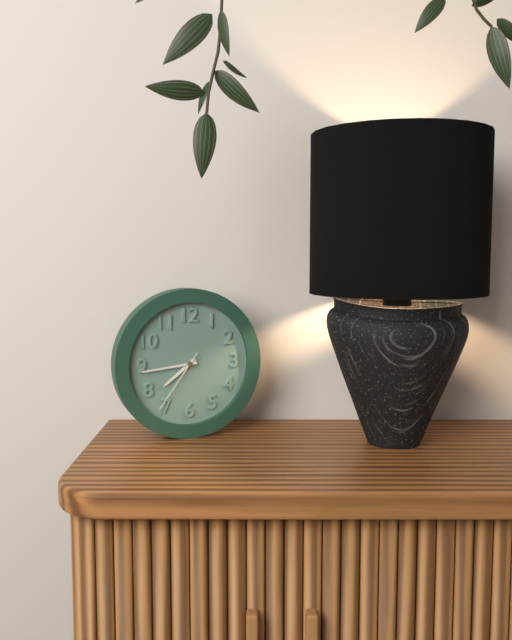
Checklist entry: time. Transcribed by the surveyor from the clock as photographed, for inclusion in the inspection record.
7:44:36
